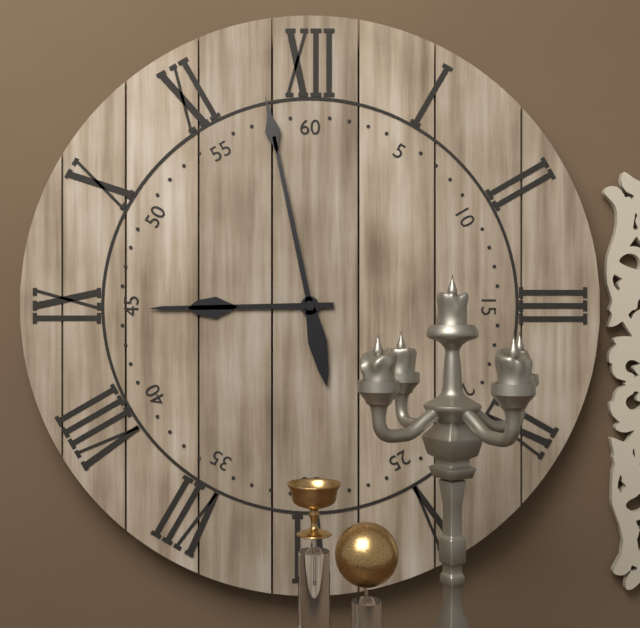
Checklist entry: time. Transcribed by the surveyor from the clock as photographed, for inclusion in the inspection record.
8:58
